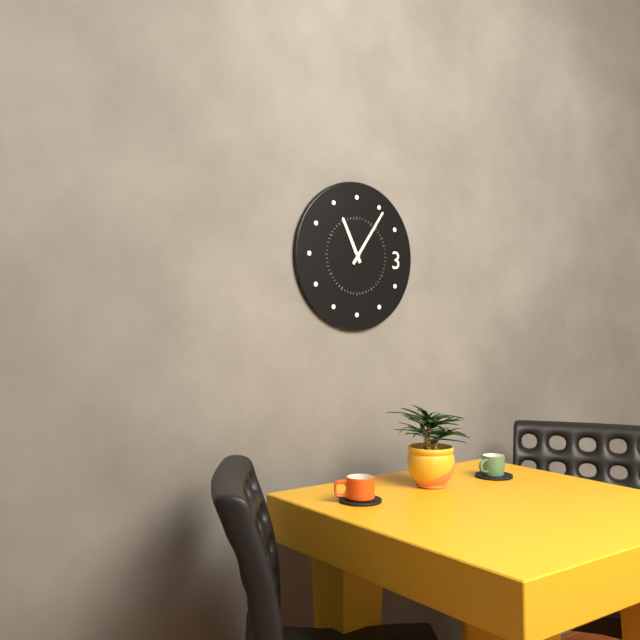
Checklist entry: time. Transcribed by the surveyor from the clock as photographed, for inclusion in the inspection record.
11:06
